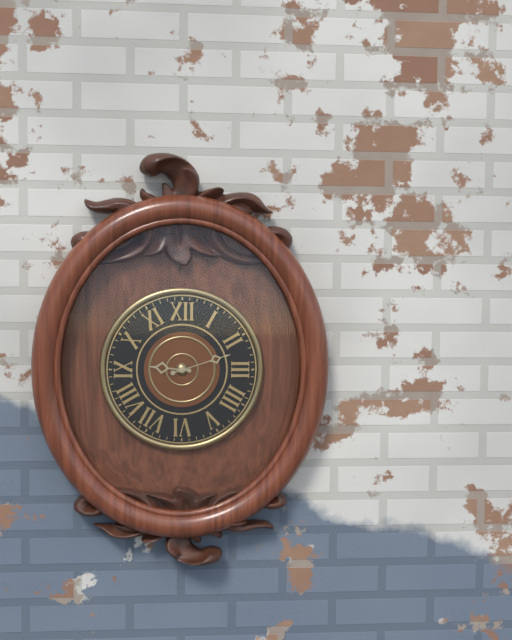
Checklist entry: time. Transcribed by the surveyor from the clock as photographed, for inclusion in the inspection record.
9:12
